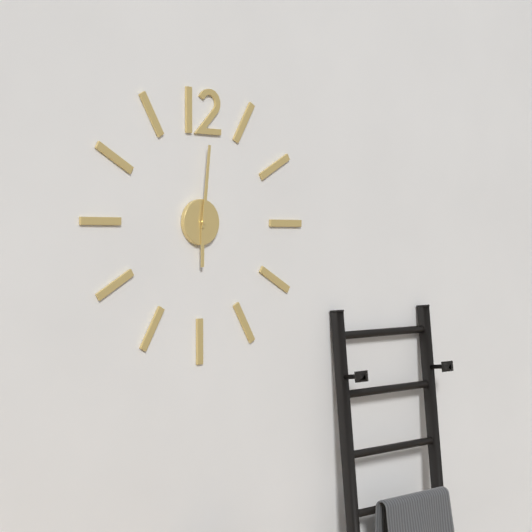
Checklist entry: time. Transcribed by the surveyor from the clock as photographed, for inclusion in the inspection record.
6:01
